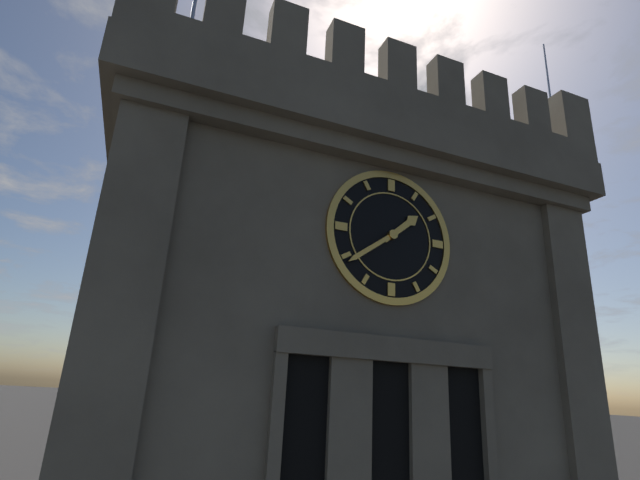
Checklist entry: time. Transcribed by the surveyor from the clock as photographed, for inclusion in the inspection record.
1:39
